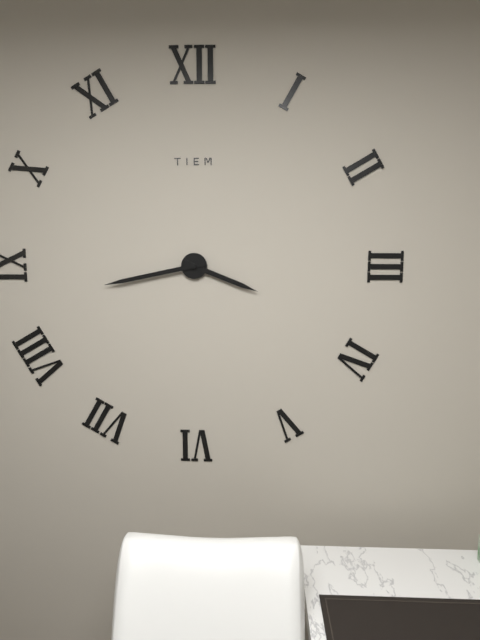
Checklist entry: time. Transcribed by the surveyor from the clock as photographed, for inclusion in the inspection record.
3:43
